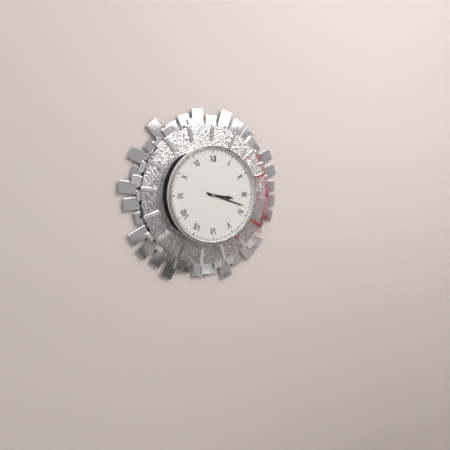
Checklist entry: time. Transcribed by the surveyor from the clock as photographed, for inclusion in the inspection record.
3:18
